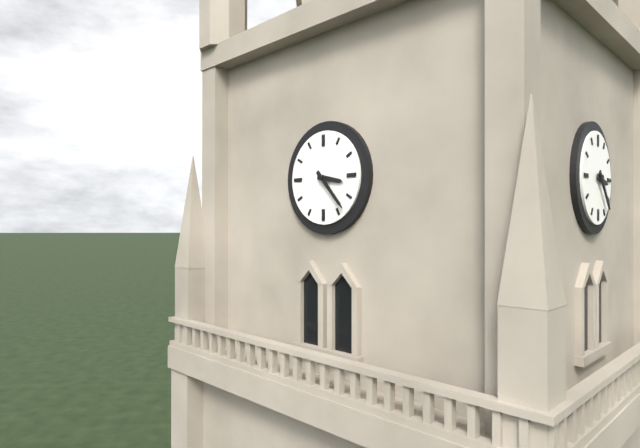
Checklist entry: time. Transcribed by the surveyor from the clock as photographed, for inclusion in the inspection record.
3:23
